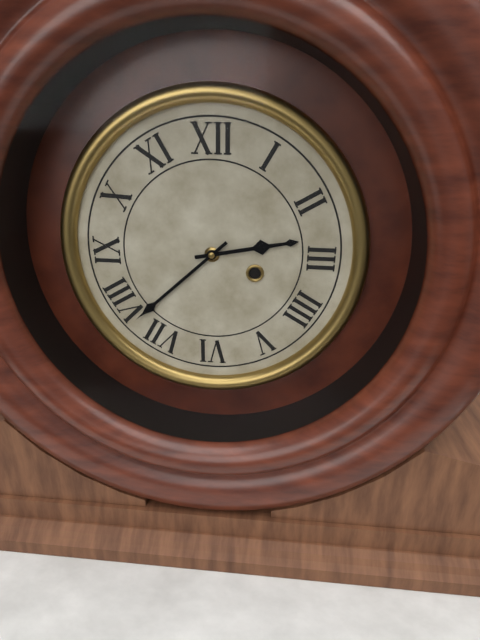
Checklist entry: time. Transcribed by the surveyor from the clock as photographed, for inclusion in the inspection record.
2:38
